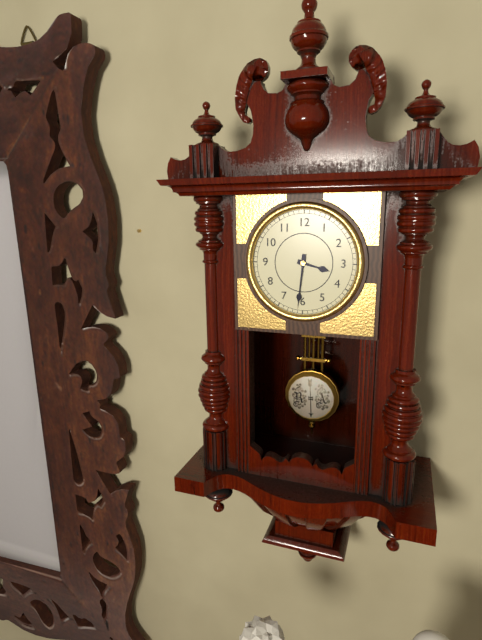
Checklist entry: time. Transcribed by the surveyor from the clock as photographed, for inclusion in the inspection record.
3:31
